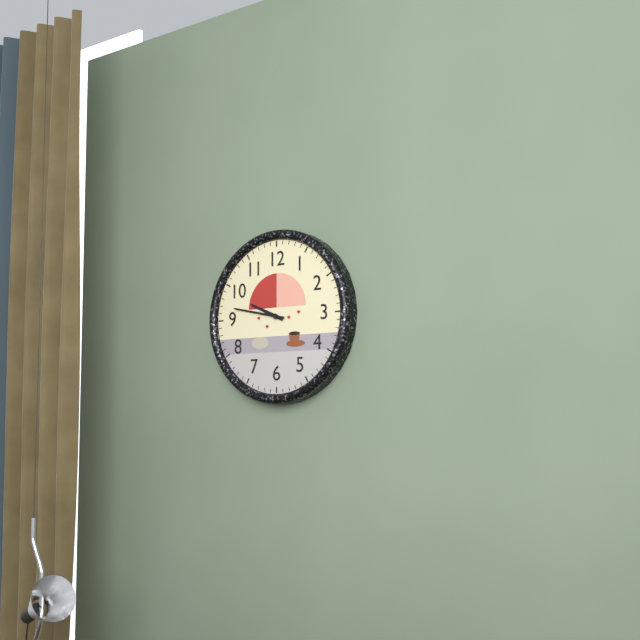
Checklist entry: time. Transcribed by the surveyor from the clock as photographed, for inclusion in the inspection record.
9:47
